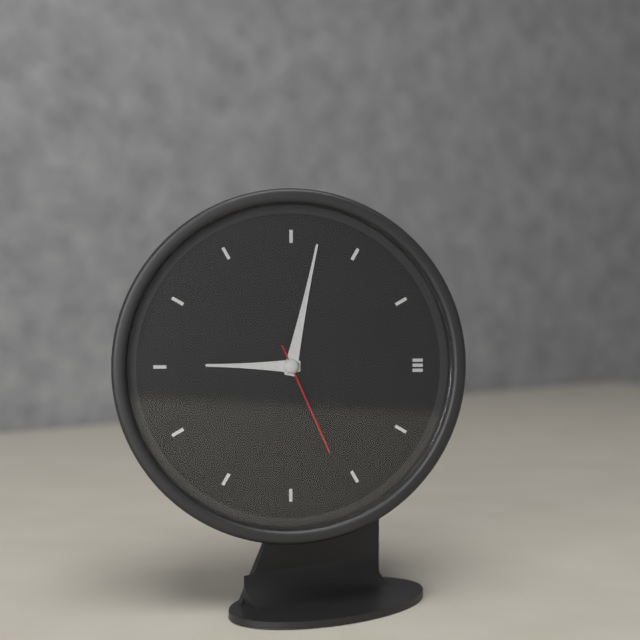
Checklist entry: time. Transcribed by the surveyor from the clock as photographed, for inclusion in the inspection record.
9:02:26
